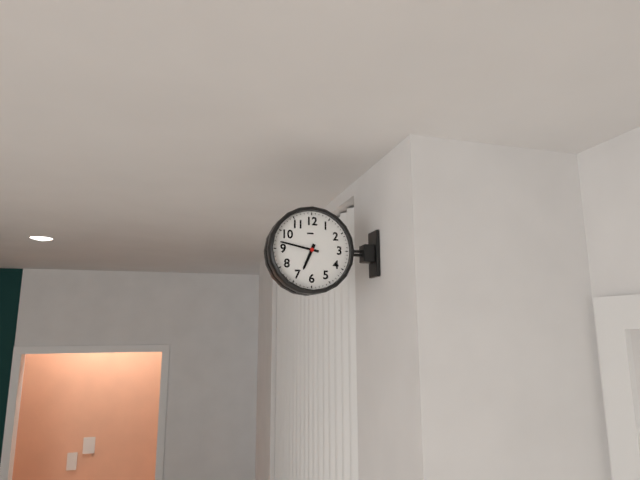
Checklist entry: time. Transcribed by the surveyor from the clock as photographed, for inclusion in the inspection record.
6:47
